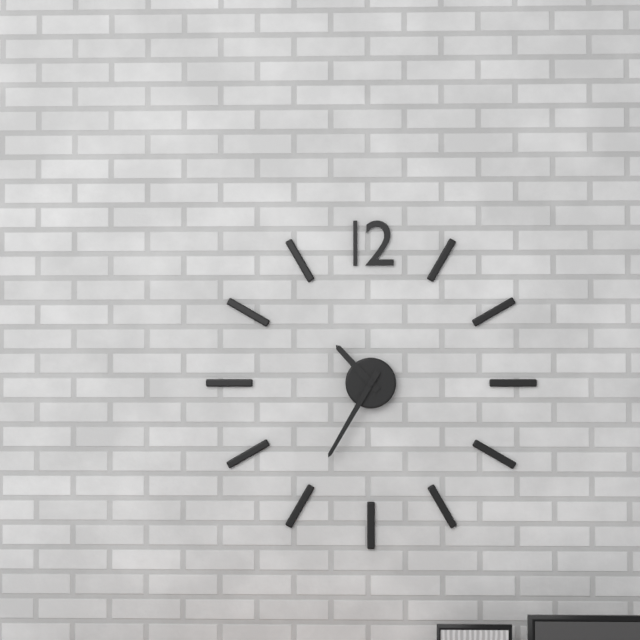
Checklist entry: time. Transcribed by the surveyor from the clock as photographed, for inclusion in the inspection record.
10:35
